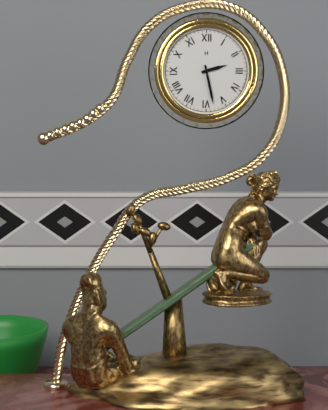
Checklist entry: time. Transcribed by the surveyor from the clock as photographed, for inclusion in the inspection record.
2:28
